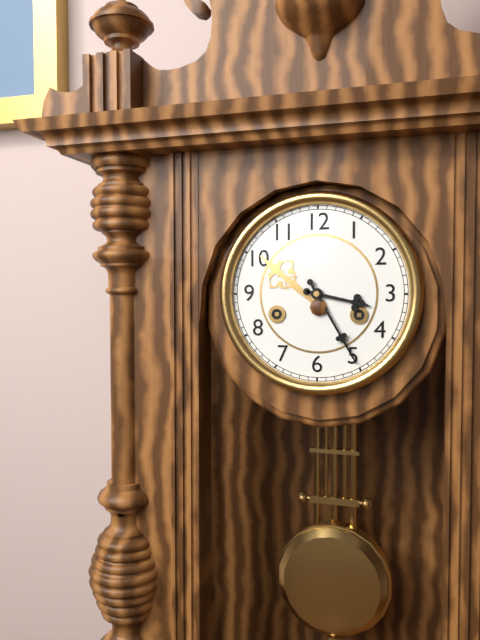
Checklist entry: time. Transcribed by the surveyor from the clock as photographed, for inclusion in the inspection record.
3:25
